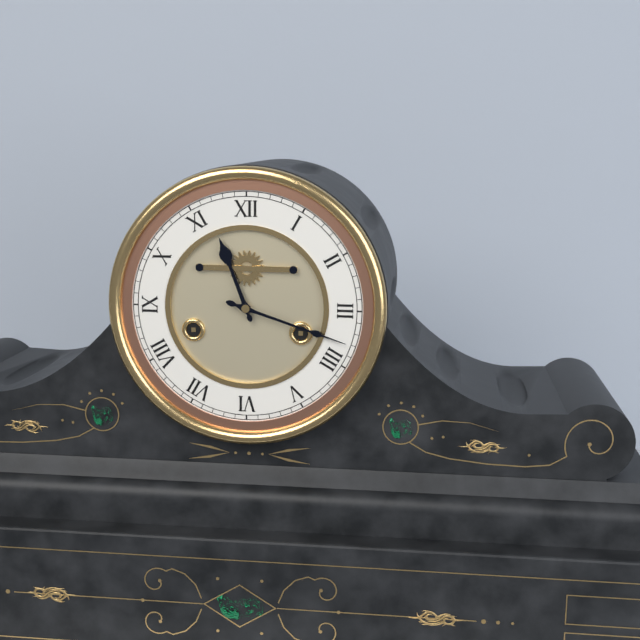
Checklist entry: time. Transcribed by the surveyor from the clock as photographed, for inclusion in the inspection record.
11:18
